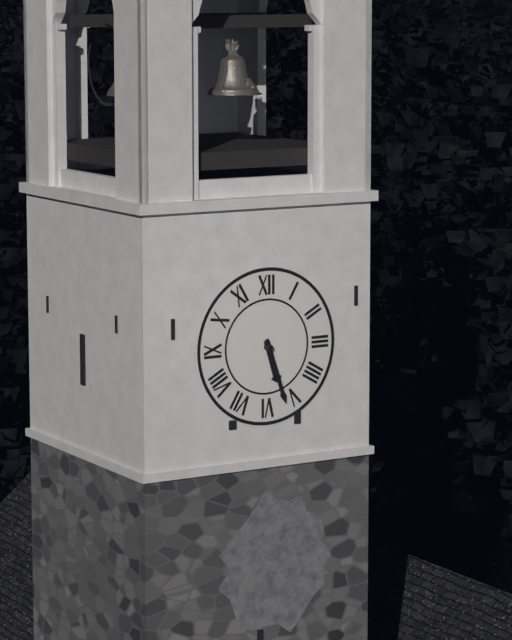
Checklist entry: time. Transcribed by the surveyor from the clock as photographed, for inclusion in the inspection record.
5:27
